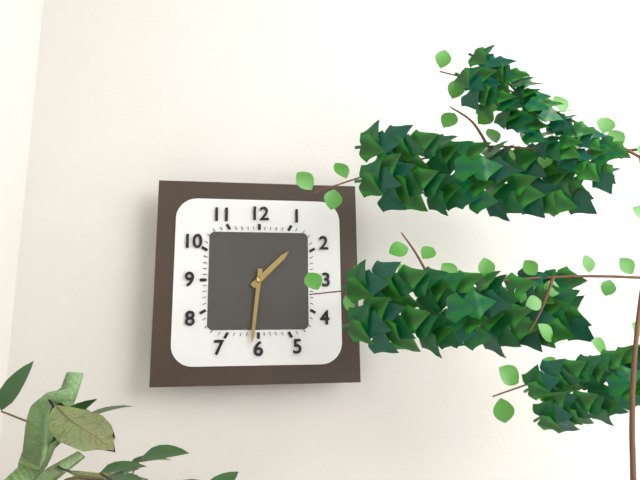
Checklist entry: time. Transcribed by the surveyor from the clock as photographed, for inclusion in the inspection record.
1:31
